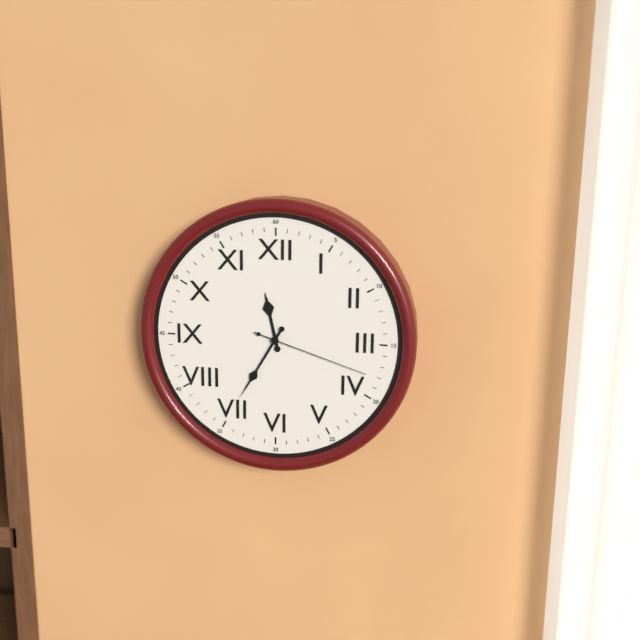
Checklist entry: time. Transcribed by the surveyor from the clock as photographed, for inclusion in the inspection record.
11:35:18
